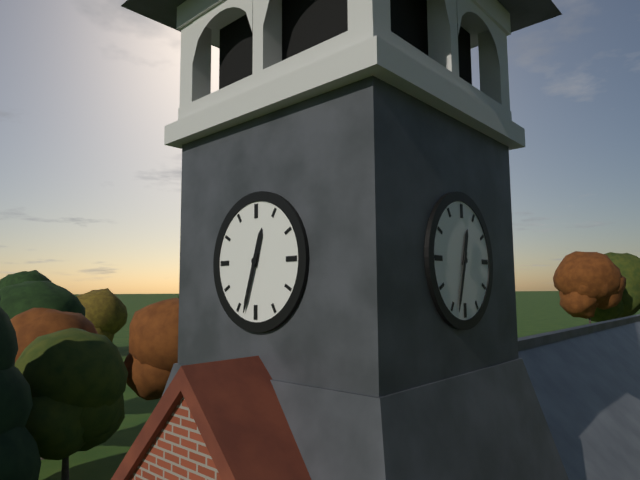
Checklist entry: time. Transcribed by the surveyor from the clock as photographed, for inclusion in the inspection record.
12:33
